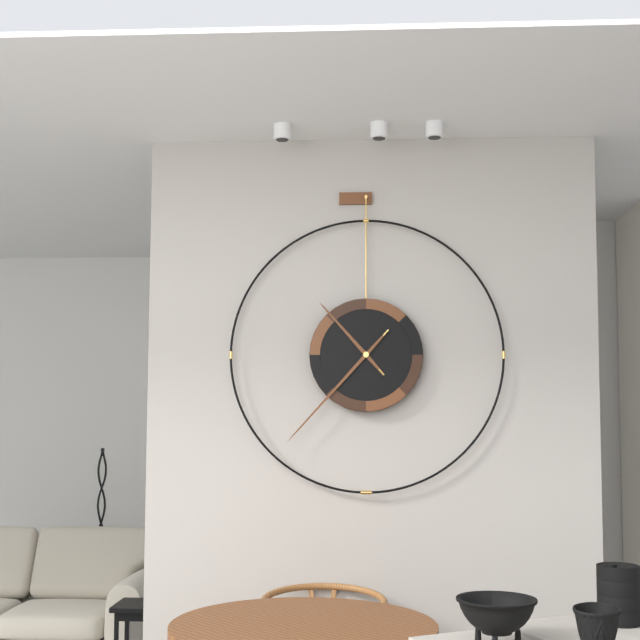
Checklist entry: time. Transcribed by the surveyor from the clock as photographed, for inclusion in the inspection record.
10:37
